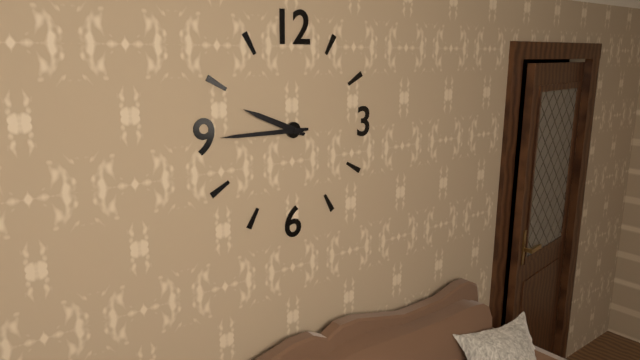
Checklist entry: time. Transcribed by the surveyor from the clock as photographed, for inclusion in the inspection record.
9:45
